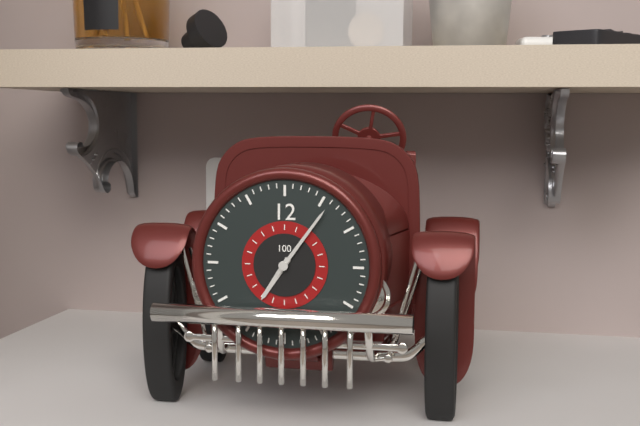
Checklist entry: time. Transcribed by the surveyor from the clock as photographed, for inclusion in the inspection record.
7:06
